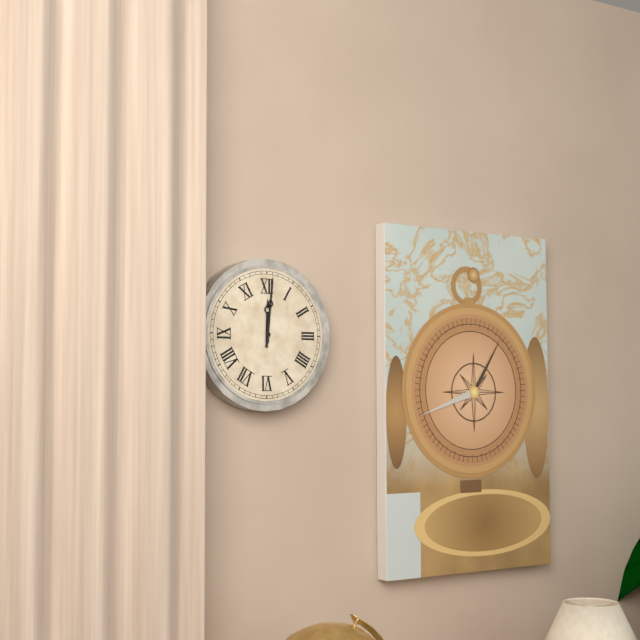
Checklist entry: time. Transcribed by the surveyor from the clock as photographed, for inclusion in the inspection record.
12:01
